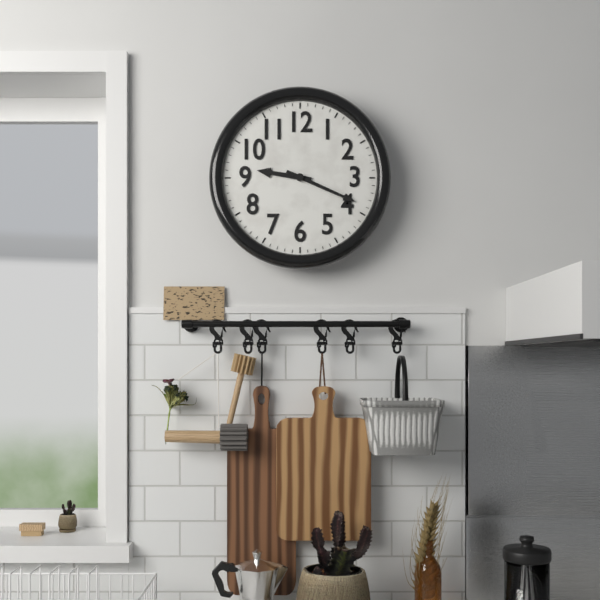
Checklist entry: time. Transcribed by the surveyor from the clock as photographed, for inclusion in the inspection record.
9:19
